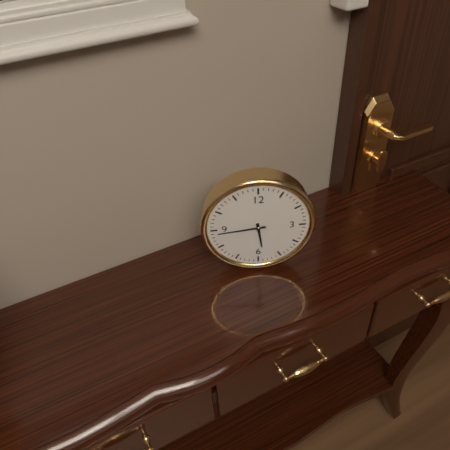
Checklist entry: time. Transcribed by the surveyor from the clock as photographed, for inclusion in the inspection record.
5:44
